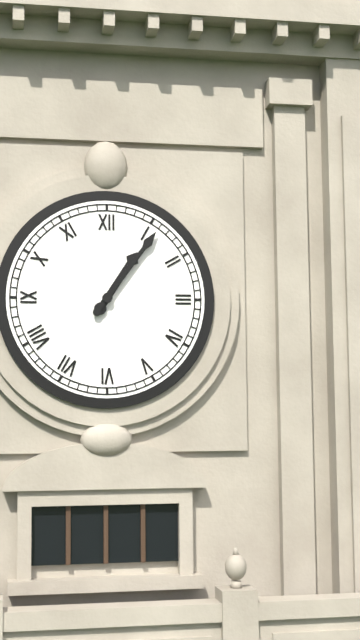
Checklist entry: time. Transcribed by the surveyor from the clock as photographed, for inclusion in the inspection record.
1:06
